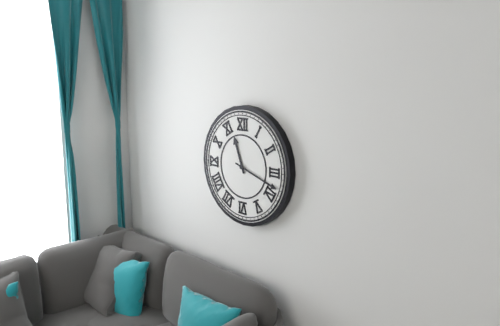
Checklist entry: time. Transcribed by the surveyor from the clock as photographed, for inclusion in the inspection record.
11:18
